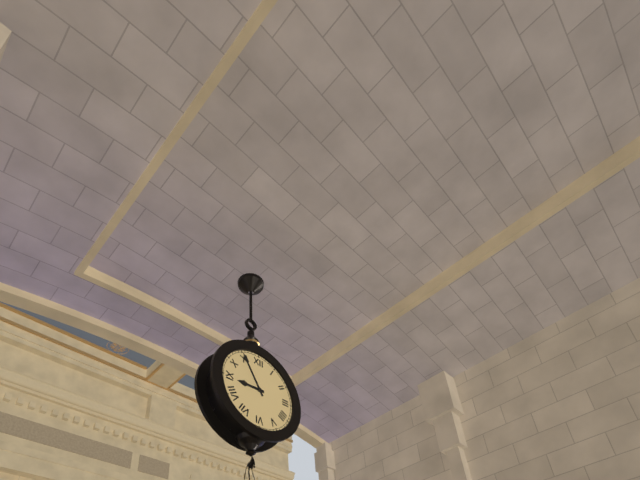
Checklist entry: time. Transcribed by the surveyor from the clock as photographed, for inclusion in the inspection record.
8:55
